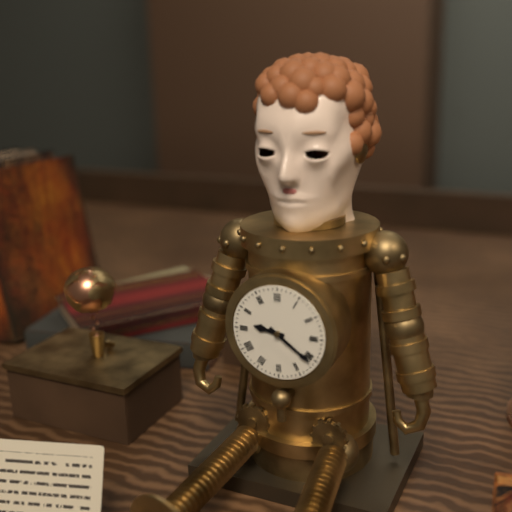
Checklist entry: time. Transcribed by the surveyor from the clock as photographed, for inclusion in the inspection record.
9:21
